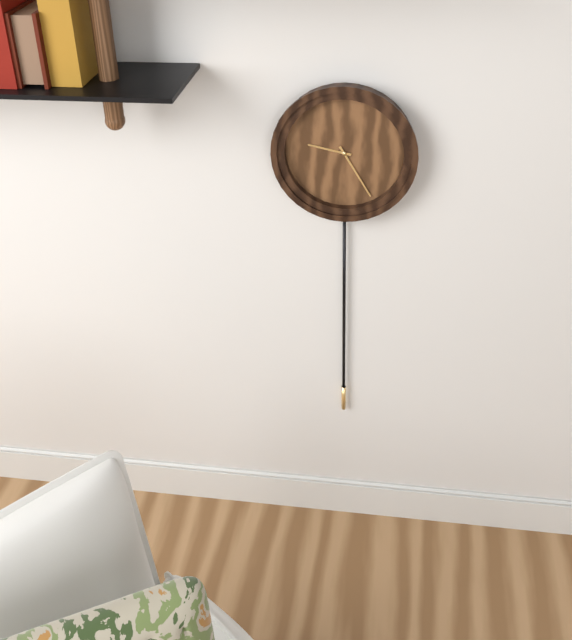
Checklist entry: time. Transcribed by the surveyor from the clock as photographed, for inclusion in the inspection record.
9:25
